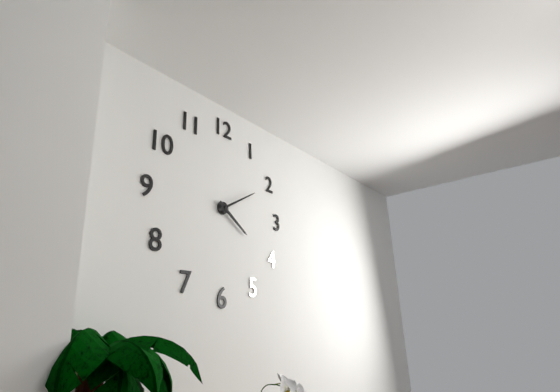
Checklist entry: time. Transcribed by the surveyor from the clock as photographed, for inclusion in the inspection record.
4:10
